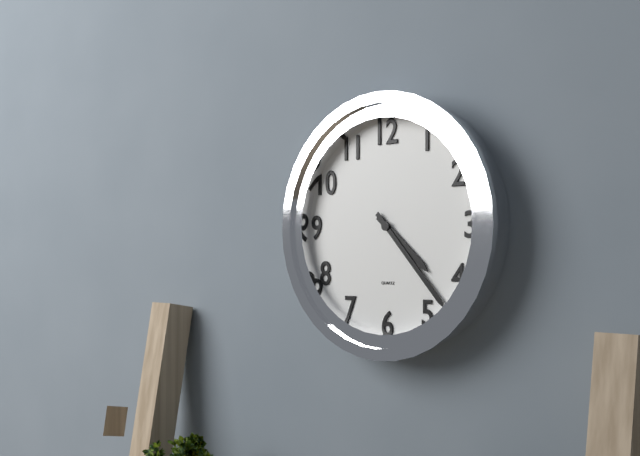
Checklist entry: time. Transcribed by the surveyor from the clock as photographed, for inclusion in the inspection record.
4:23
